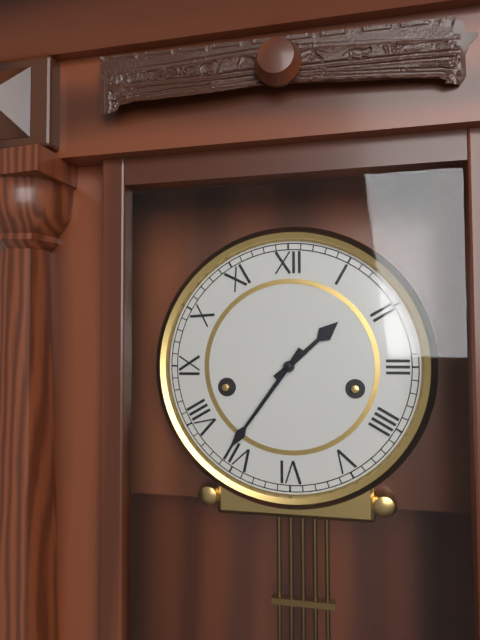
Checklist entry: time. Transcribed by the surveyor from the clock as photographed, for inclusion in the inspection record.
1:36
